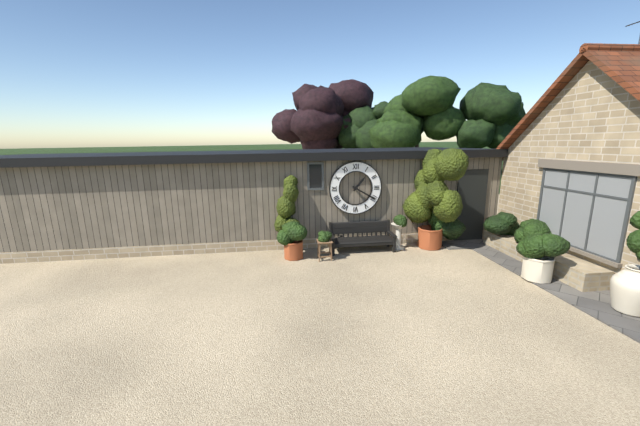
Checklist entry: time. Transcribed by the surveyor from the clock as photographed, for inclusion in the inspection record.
1:20
